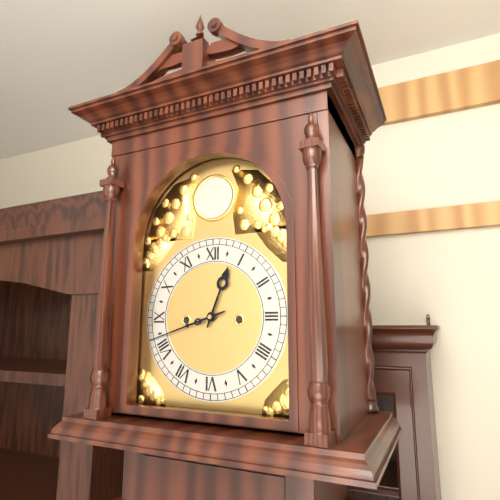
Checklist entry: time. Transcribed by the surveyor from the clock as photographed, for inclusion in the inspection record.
12:42
